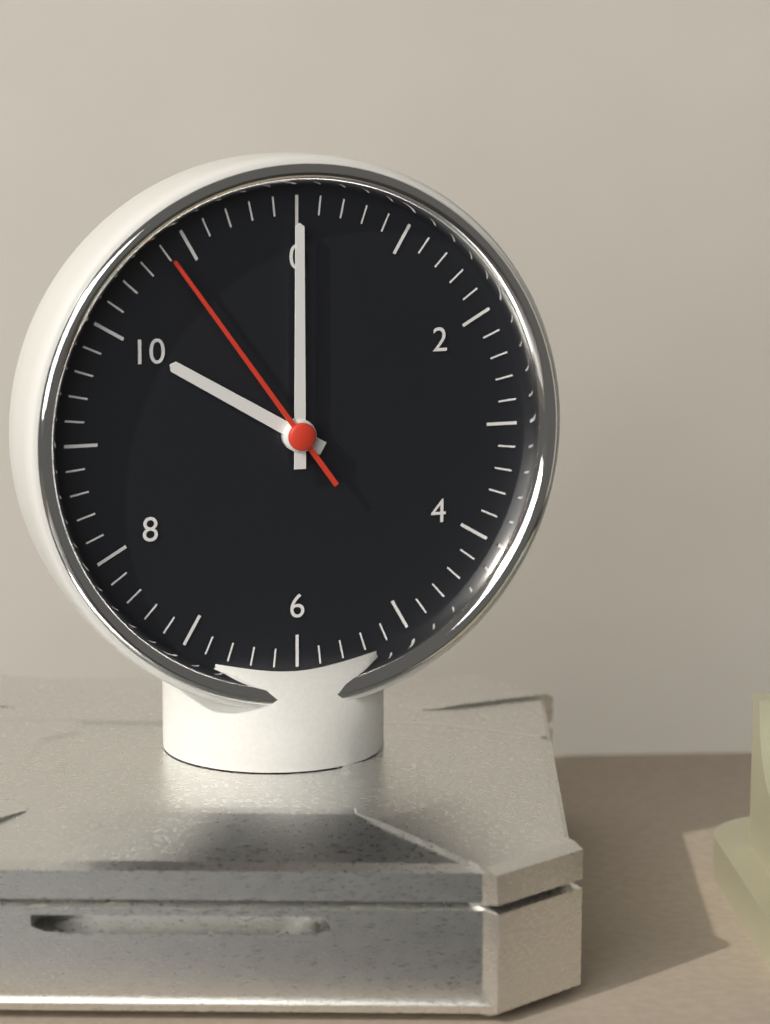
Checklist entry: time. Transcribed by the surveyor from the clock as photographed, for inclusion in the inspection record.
10:00:54
